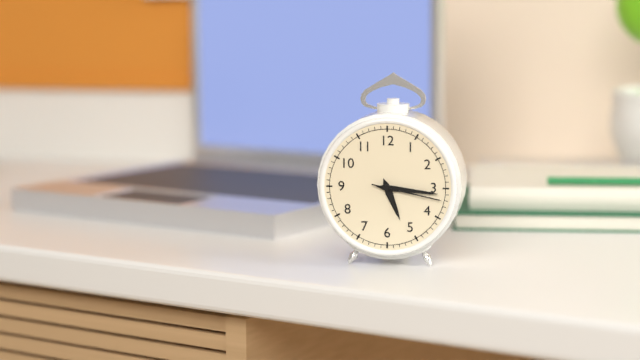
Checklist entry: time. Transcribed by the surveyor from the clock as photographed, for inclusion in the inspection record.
5:16:17
